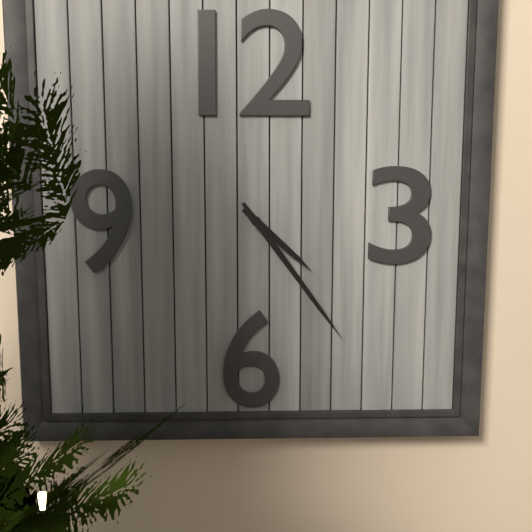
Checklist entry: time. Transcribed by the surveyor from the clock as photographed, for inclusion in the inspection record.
4:24
